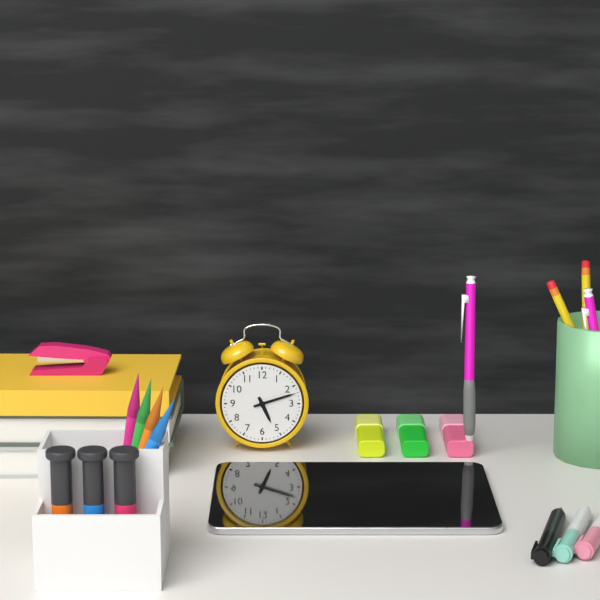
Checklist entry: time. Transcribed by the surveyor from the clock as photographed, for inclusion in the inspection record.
5:12
